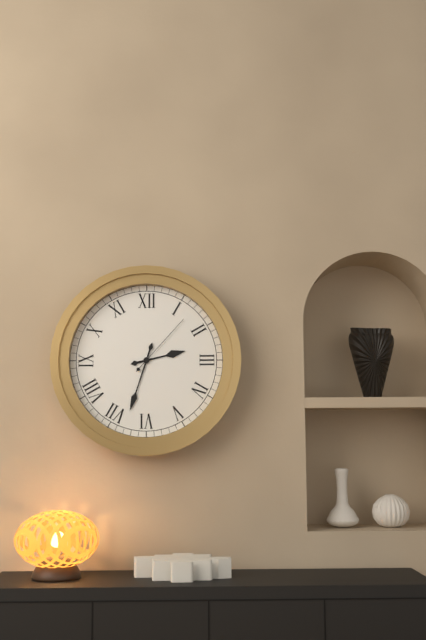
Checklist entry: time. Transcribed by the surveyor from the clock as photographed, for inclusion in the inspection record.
2:33:07
